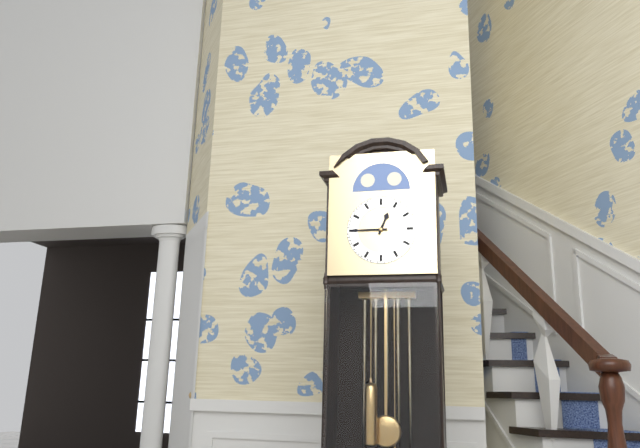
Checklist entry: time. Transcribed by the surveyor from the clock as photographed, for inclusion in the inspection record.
12:45
